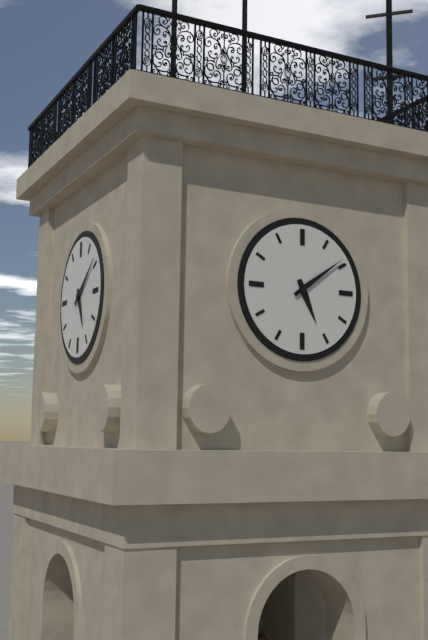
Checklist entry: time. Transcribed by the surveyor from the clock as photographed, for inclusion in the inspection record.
5:09
